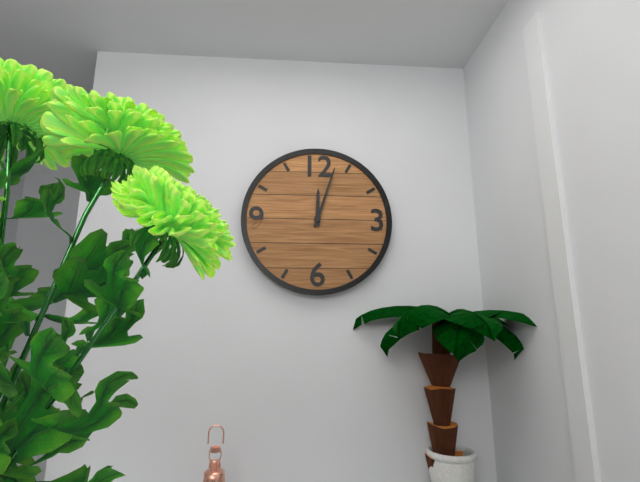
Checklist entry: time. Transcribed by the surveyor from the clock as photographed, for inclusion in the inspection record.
12:03
